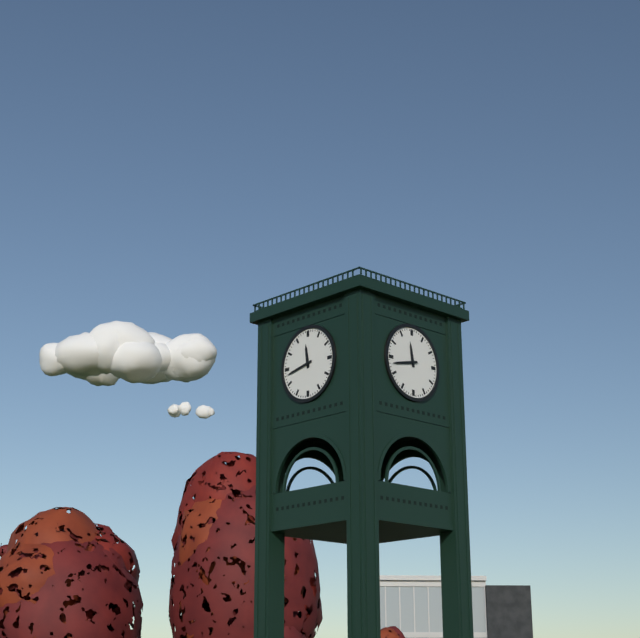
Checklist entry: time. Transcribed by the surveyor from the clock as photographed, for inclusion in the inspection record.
11:43
